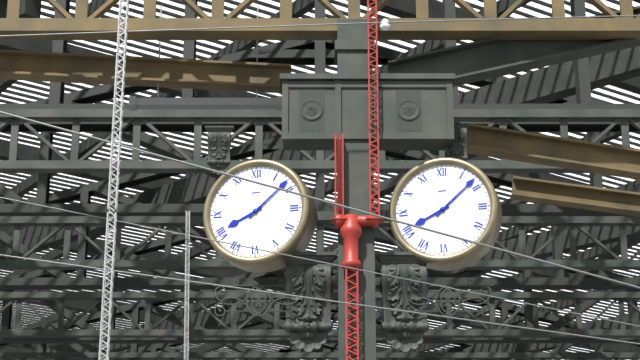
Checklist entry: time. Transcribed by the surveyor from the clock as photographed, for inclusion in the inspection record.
8:08
